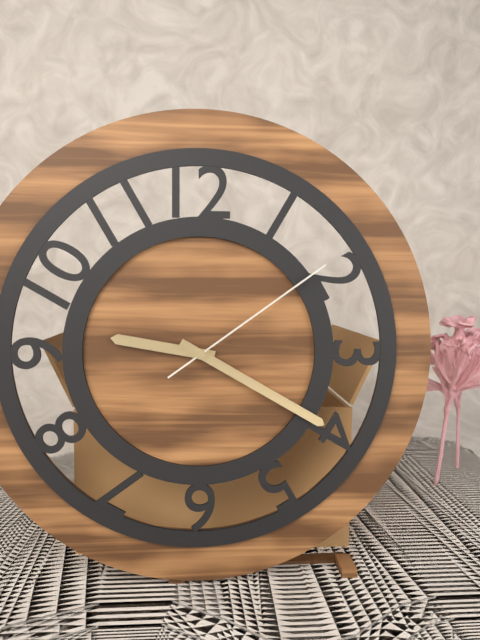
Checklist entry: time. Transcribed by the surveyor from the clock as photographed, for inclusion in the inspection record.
9:20:09
